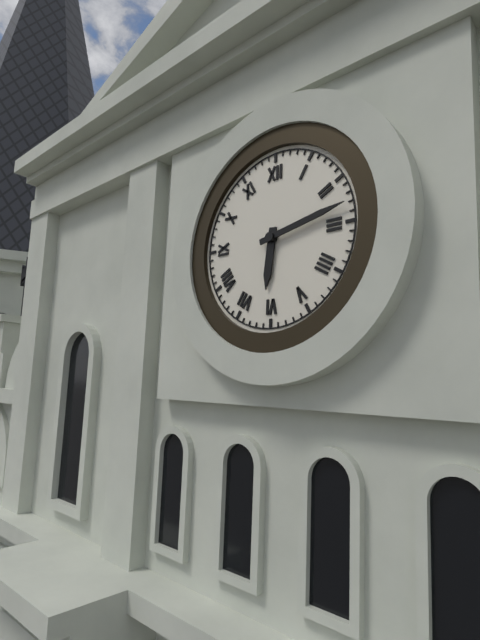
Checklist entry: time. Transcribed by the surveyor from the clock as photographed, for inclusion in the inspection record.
6:13
